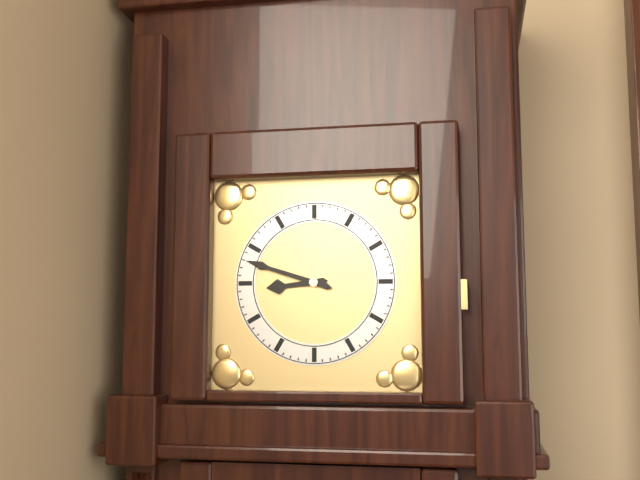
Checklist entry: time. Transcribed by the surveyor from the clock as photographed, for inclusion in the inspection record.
8:48
